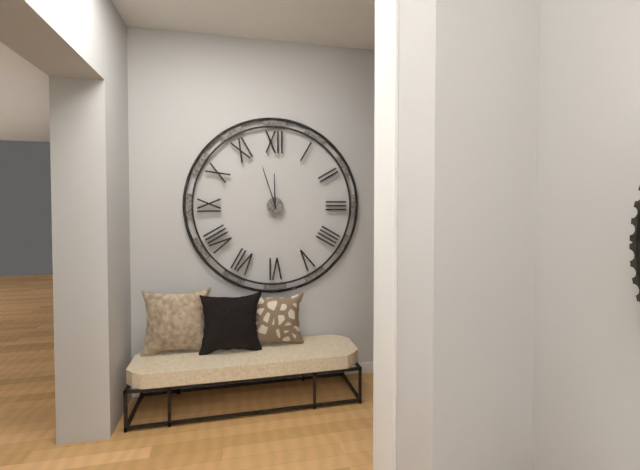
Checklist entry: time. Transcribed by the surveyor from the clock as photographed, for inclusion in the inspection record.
11:57
